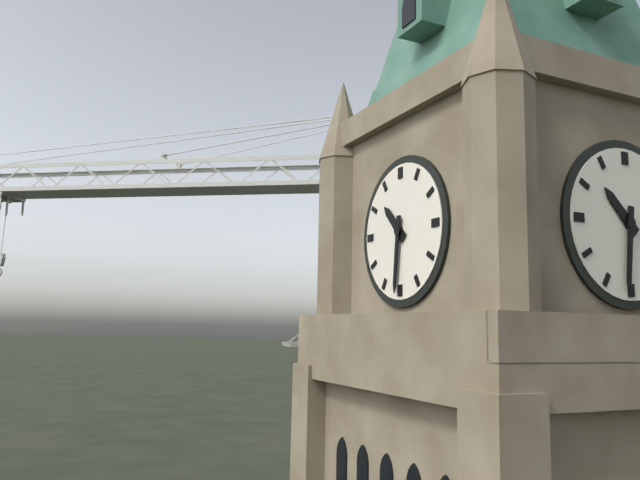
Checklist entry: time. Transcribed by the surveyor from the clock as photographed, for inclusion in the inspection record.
10:31
